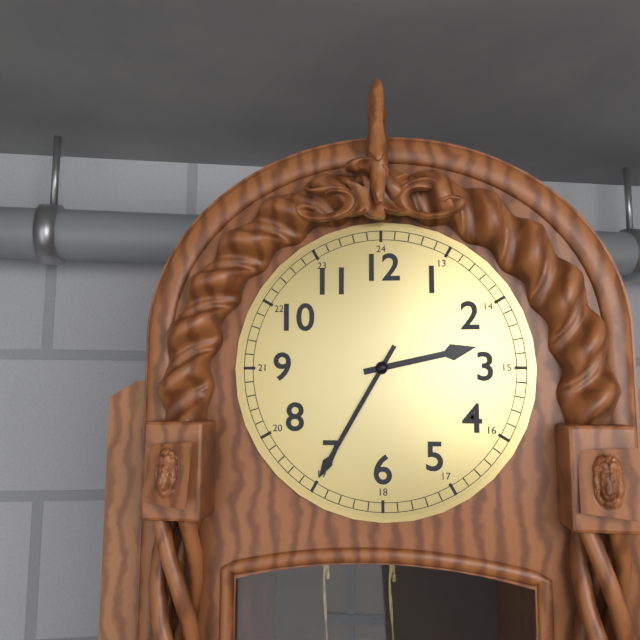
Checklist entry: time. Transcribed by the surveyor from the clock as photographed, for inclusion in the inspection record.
2:35
